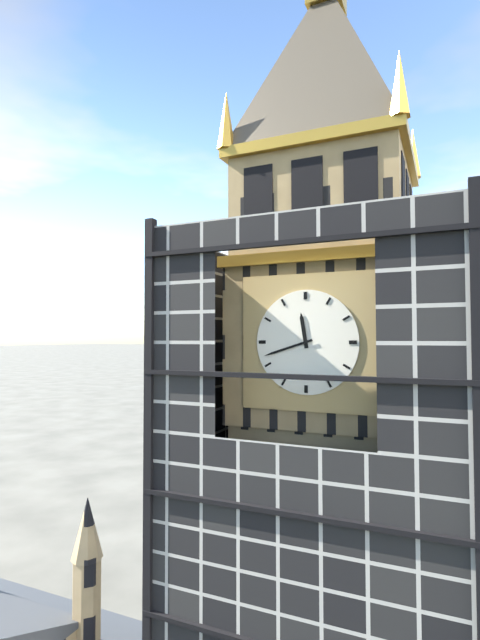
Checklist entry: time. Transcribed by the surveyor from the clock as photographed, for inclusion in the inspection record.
11:42
